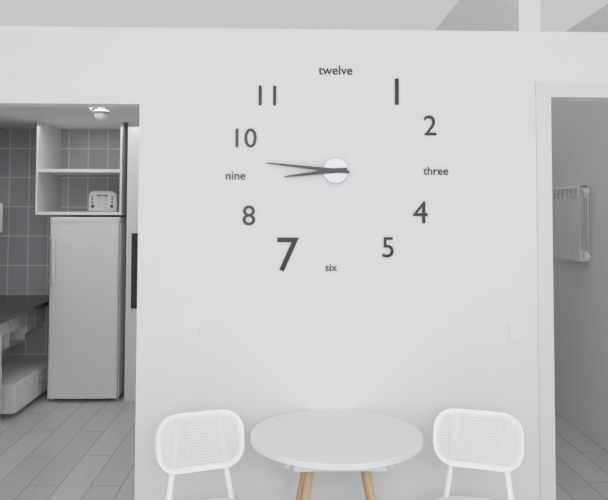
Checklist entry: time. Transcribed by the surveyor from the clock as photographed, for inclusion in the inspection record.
8:46
